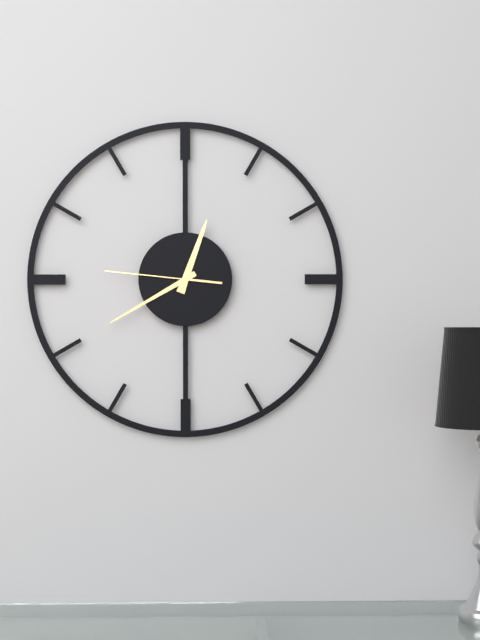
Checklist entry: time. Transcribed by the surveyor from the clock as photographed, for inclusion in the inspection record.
12:40:46
